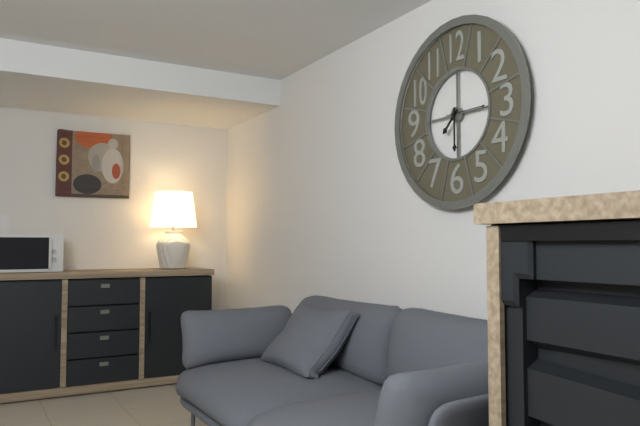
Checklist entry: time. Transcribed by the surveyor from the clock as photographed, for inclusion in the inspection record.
7:30
